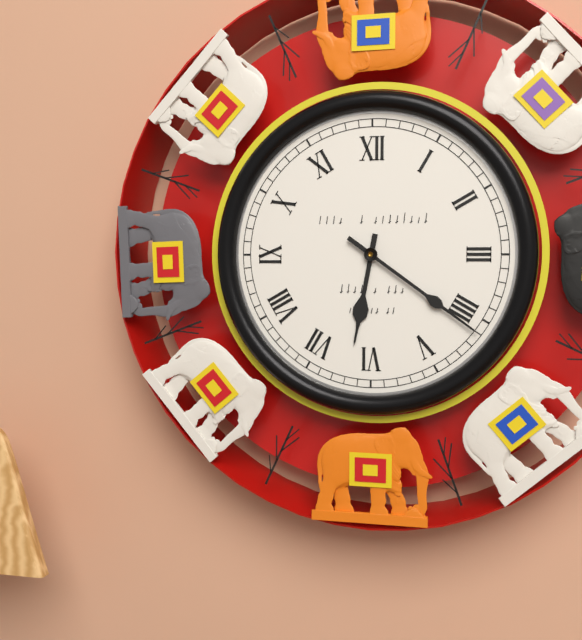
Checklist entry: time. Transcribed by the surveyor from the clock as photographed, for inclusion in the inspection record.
6:21
